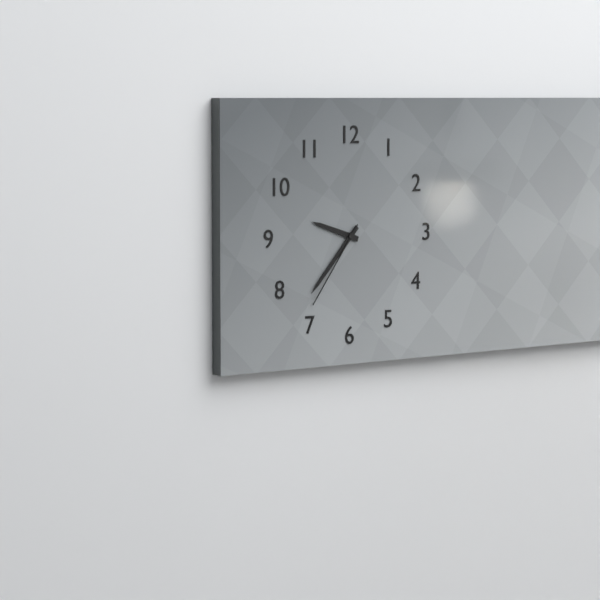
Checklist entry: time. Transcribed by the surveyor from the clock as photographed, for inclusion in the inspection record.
9:37:36
